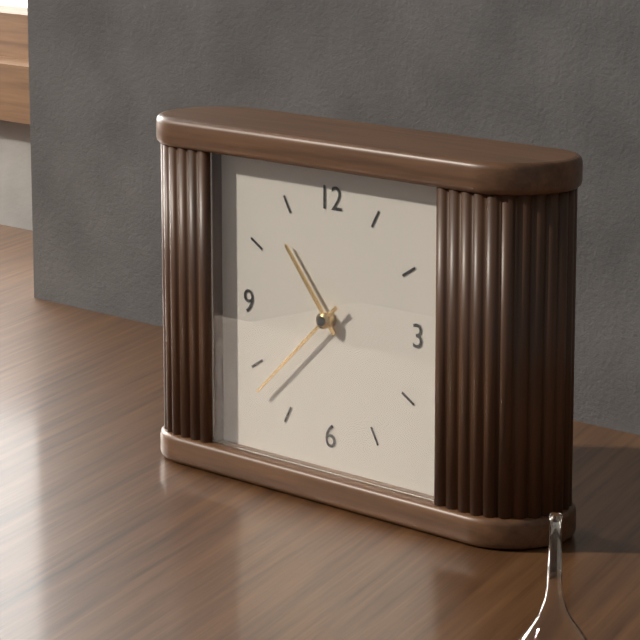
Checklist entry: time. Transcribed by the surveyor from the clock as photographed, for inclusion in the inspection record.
10:38
